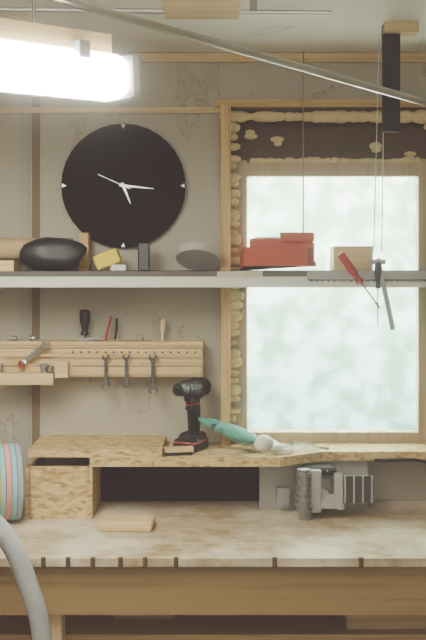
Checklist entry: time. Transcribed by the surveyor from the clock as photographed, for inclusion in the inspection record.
5:16
